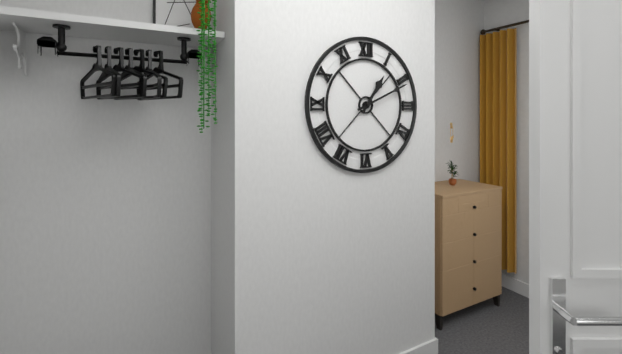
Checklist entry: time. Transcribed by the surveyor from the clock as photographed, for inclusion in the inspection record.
1:11
